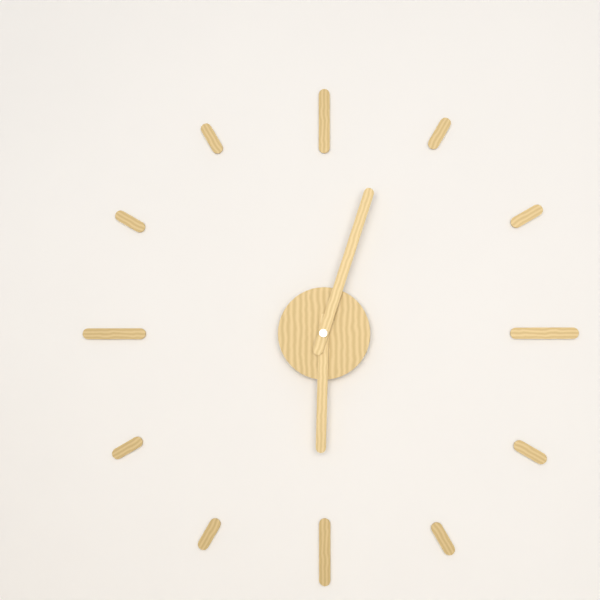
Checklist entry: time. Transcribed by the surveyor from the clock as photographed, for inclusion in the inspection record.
6:03
